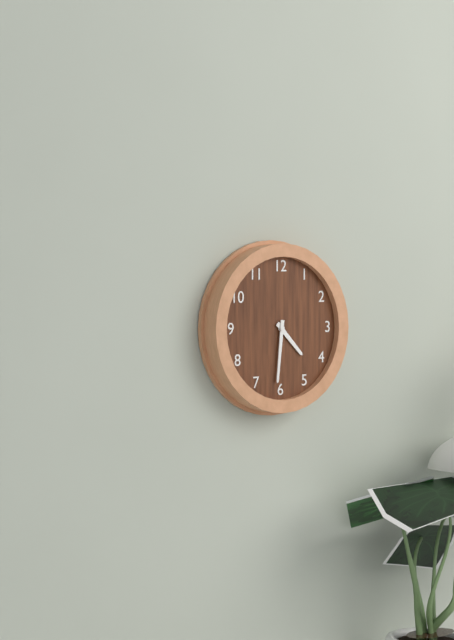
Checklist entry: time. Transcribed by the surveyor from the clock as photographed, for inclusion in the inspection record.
4:31
